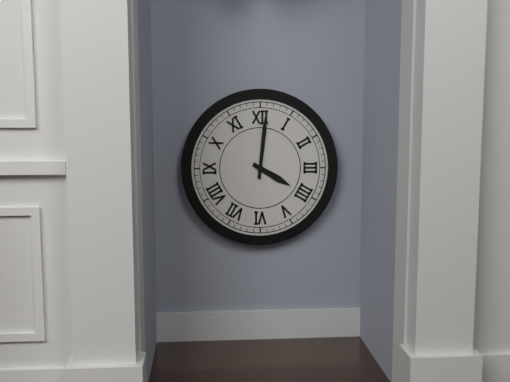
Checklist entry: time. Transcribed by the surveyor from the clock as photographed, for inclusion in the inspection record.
4:01
